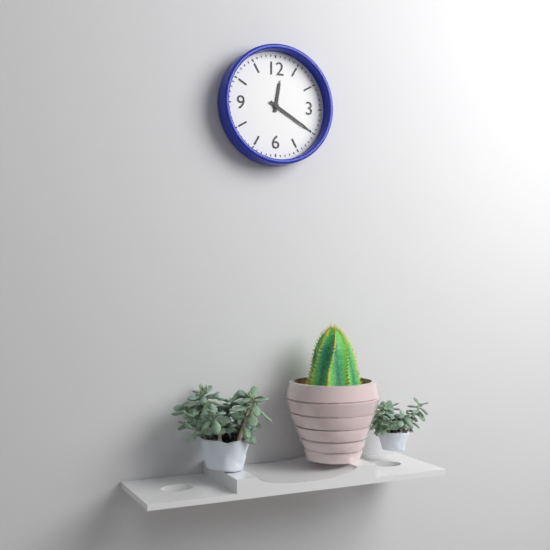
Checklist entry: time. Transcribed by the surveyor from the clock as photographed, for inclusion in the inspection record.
12:20
